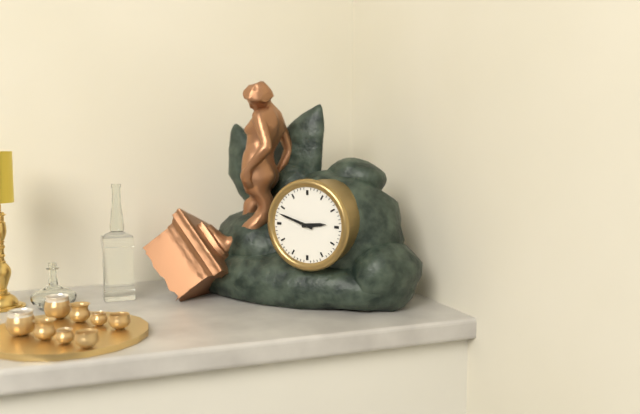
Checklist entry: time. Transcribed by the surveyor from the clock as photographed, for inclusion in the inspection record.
2:48
